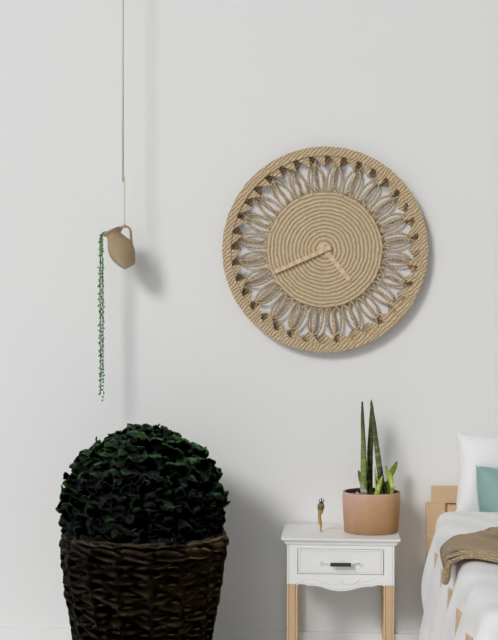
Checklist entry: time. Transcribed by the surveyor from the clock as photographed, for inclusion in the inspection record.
4:41
